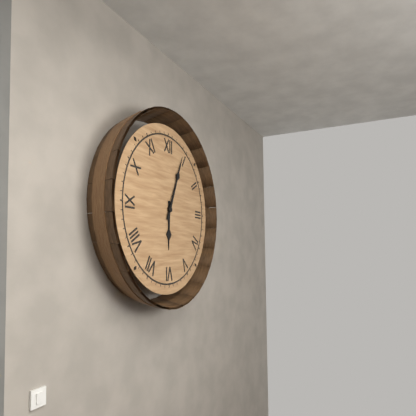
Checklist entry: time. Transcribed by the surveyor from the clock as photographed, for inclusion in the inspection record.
6:04
